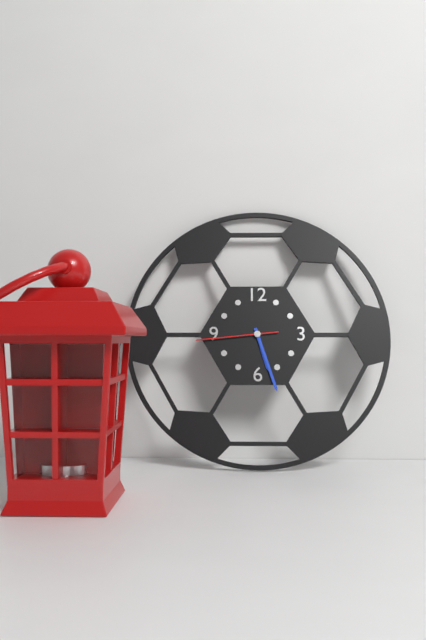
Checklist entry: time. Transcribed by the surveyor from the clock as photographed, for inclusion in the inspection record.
5:27:44
